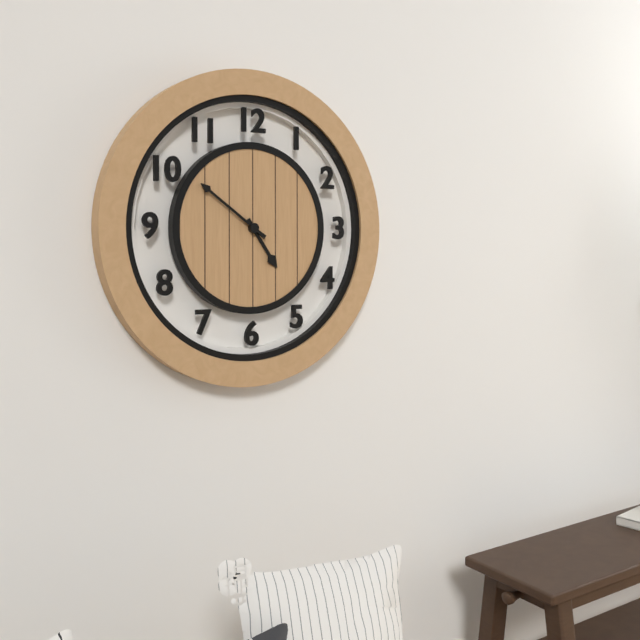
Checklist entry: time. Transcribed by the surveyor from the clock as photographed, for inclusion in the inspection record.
4:51
